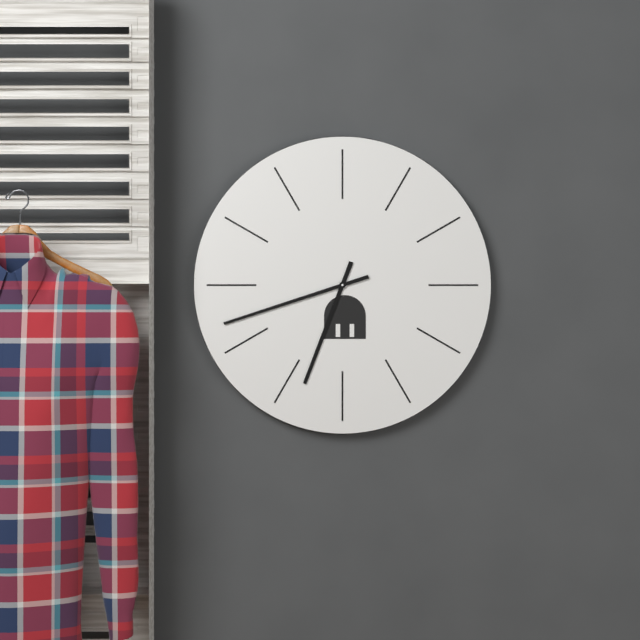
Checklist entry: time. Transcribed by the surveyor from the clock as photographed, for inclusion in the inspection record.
6:42
